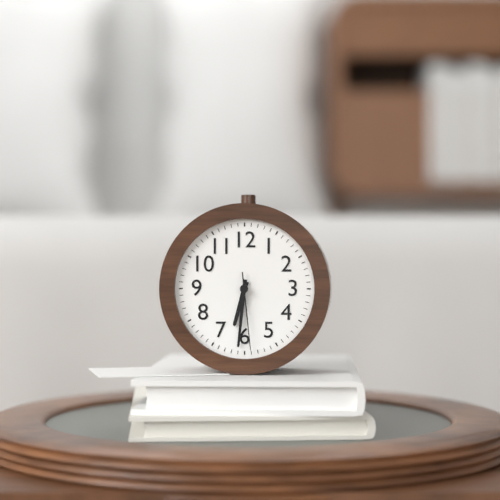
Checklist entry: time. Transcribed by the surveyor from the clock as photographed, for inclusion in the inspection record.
6:31:29
